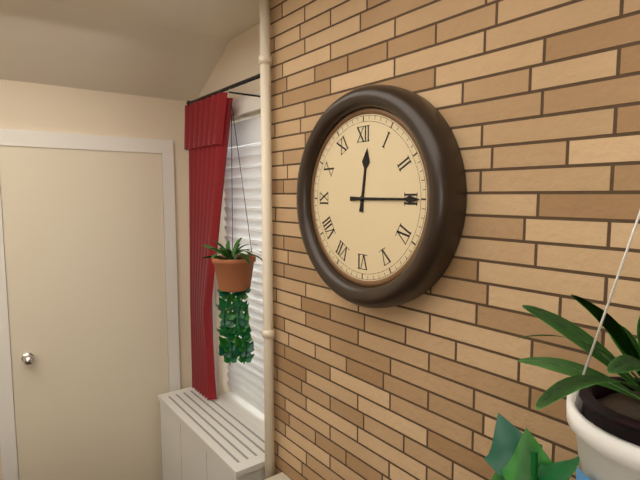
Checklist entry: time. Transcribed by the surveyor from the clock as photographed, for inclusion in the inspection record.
12:15
